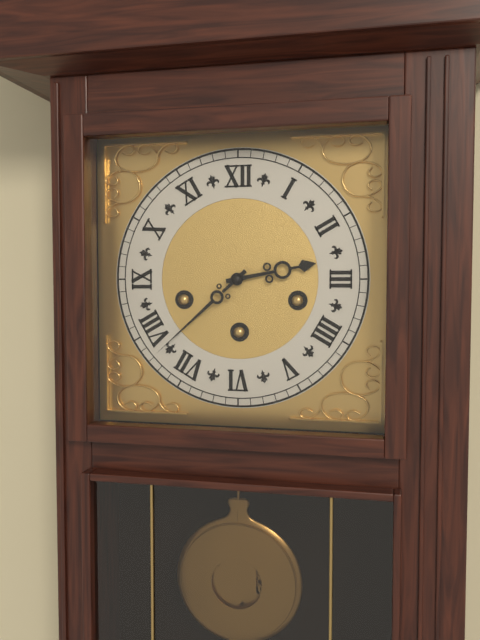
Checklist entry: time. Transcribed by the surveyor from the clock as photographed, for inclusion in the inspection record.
2:38
